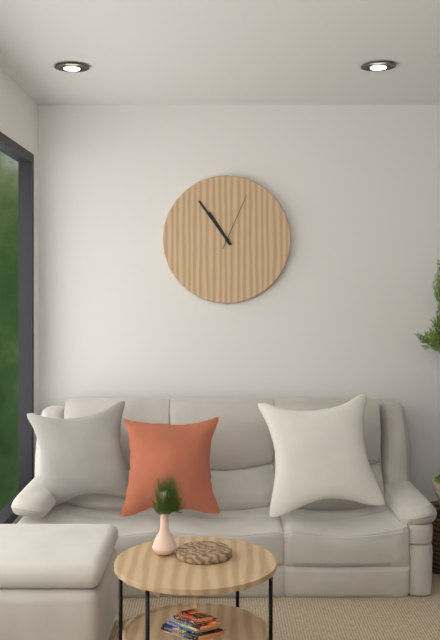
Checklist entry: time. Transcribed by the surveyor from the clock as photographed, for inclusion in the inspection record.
10:54:04
